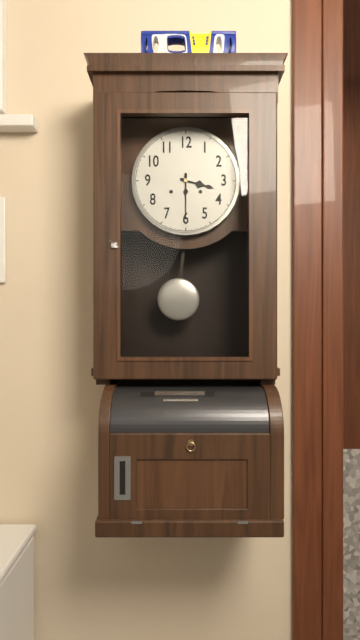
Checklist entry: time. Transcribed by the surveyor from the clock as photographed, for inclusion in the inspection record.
3:30
